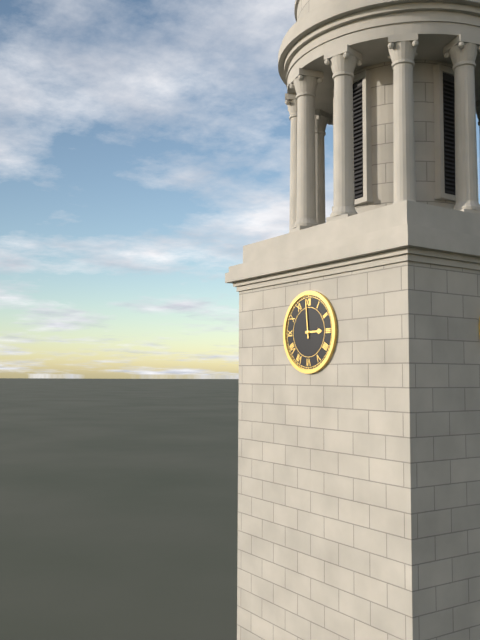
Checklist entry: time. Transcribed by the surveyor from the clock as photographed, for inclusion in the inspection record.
2:59
